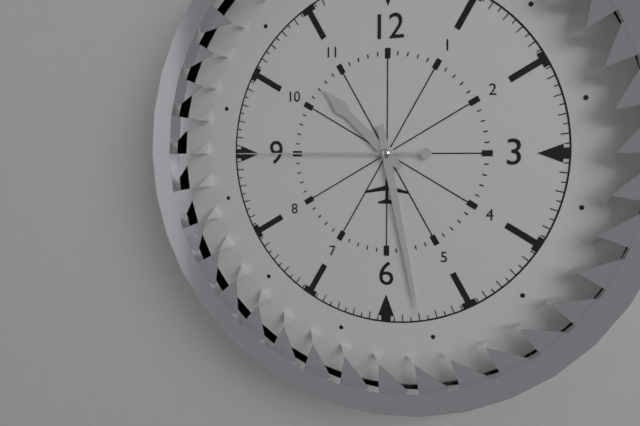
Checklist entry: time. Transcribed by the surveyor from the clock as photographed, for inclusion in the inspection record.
10:28:45
